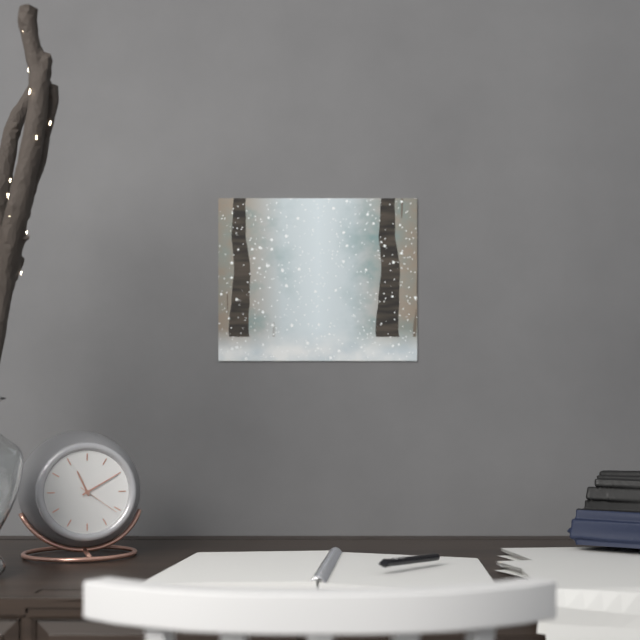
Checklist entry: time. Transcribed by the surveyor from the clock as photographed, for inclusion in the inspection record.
11:10
